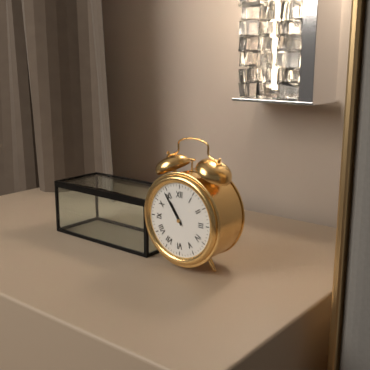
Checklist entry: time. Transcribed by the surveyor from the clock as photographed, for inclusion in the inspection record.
10:54
